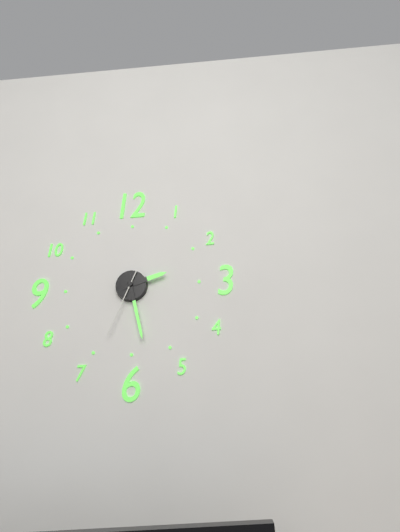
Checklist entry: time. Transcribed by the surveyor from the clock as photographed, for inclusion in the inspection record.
2:28:34
